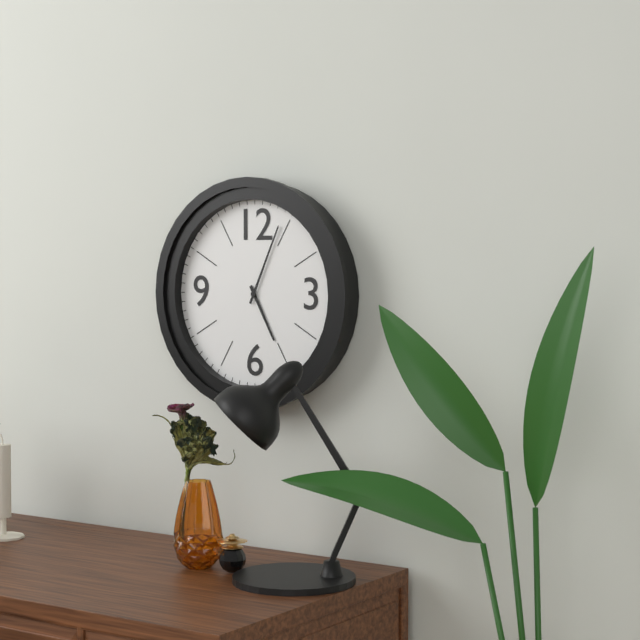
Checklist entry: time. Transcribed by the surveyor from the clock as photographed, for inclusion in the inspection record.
5:04
